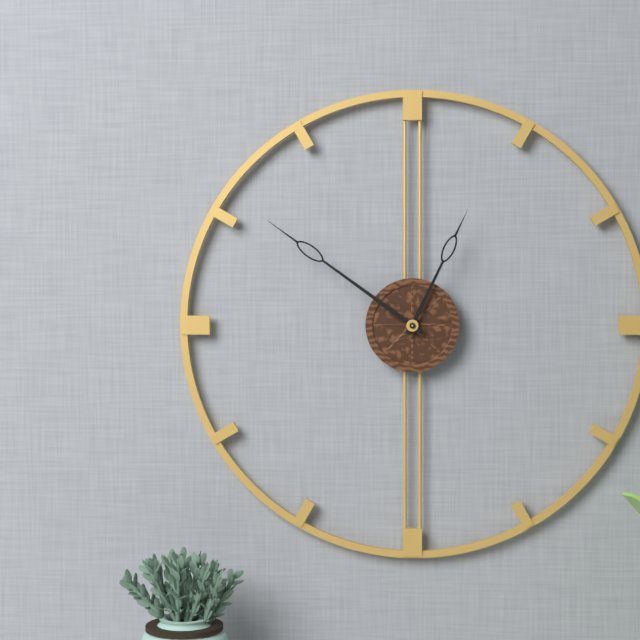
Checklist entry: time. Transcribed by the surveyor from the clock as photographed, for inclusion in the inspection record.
12:51
